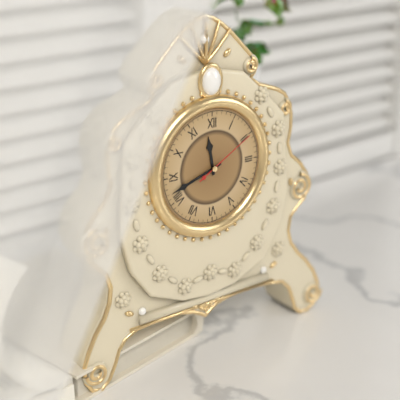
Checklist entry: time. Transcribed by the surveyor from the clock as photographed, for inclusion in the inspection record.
11:42:10
